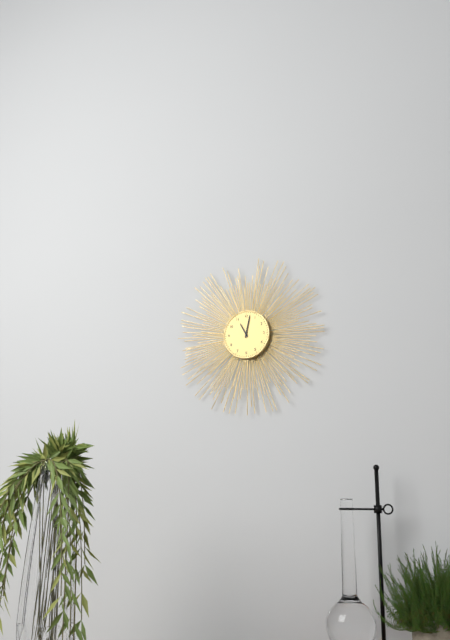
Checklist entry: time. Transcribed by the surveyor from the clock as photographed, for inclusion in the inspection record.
11:02
